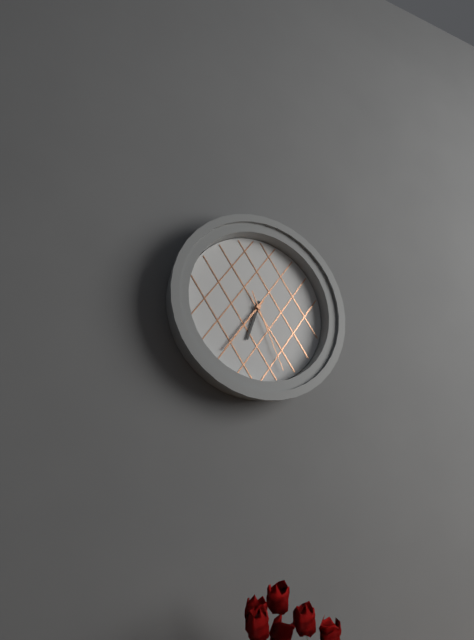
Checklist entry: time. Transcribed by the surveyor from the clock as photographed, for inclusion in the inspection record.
6:36:26
